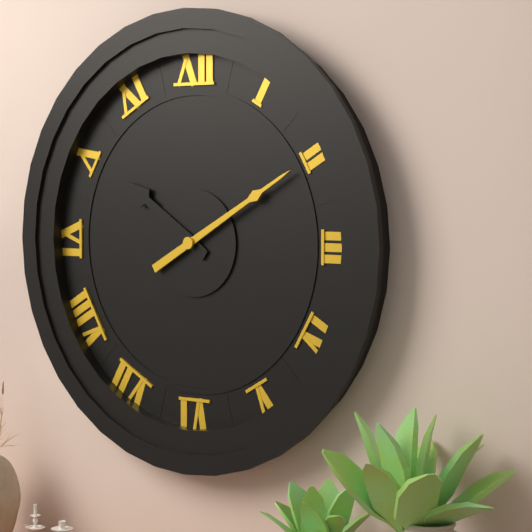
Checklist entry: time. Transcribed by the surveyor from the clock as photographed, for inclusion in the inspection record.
10:10
